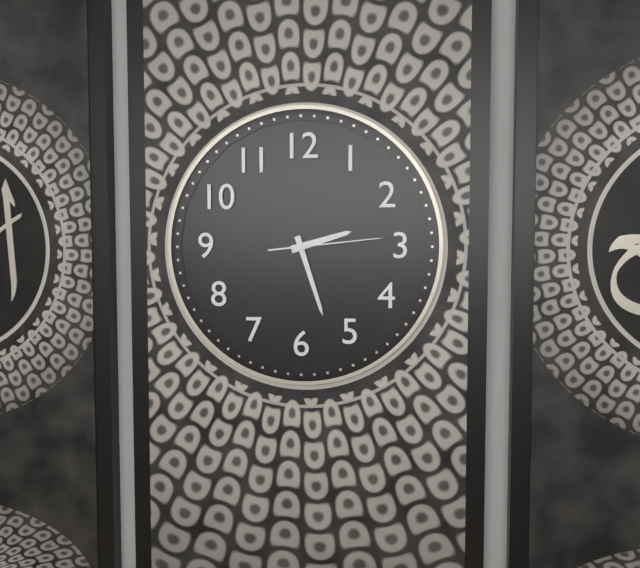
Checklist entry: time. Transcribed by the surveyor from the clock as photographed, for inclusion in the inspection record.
2:27:14
